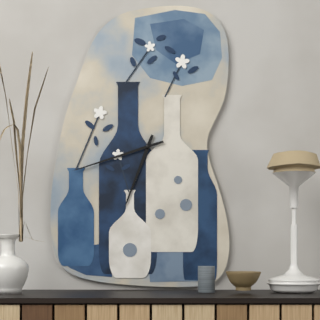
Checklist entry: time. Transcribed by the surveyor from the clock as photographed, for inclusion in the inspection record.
6:42
